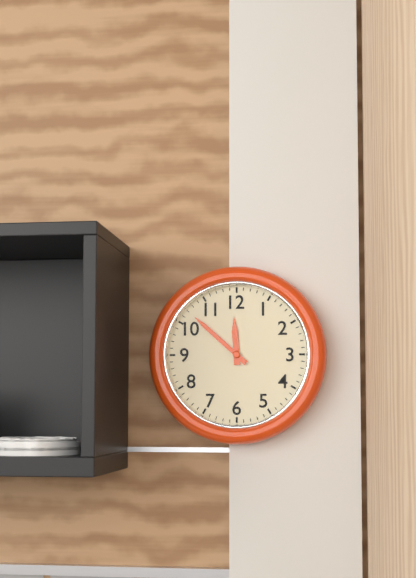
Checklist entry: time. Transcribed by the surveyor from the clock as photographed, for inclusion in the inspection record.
11:52
